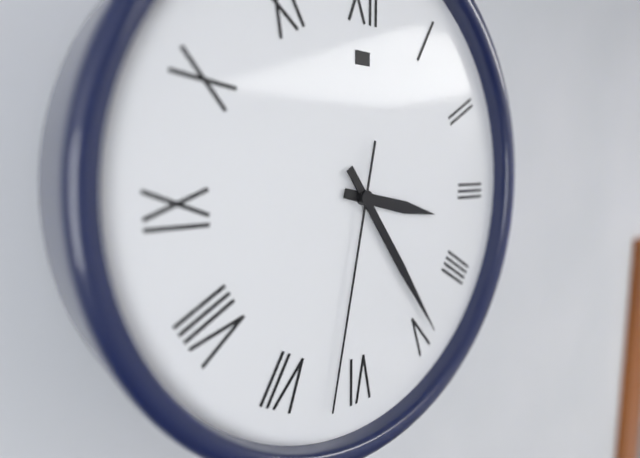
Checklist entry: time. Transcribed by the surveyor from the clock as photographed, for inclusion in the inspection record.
3:24:32
